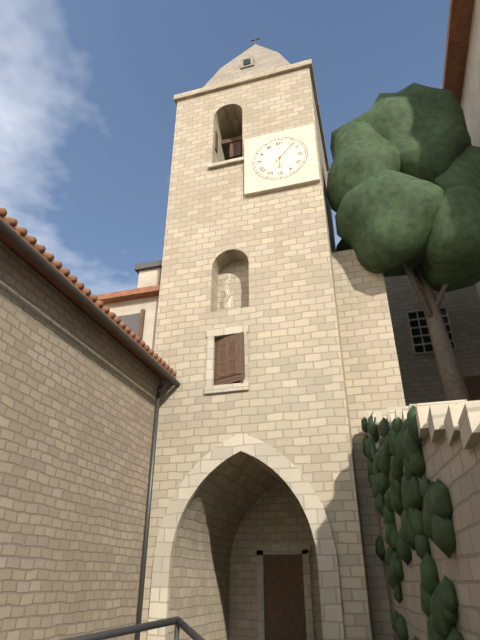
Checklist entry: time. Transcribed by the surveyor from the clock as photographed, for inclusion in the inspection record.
6:07
